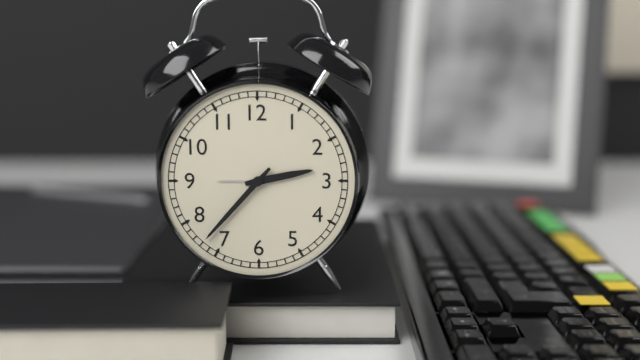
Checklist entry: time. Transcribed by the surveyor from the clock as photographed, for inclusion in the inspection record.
2:37
